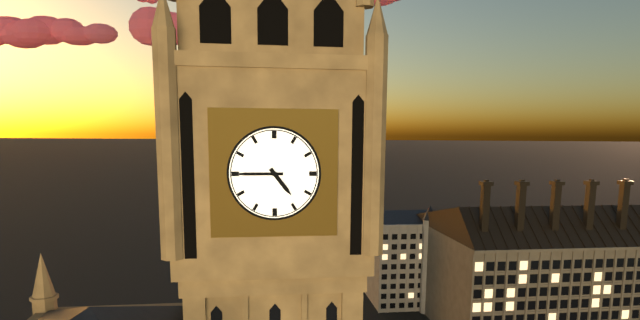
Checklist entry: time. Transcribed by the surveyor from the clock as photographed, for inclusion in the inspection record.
4:45
